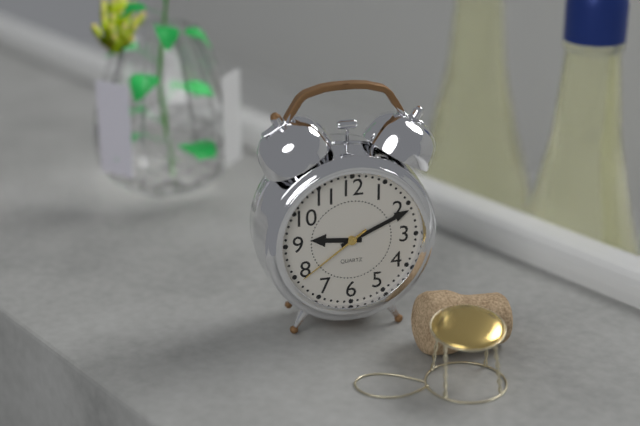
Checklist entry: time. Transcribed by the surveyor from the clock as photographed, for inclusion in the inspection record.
9:11:39
